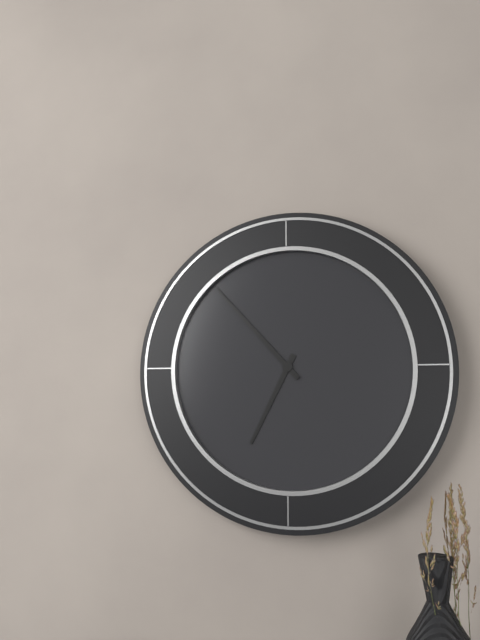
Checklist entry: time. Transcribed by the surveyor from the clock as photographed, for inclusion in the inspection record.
6:53
